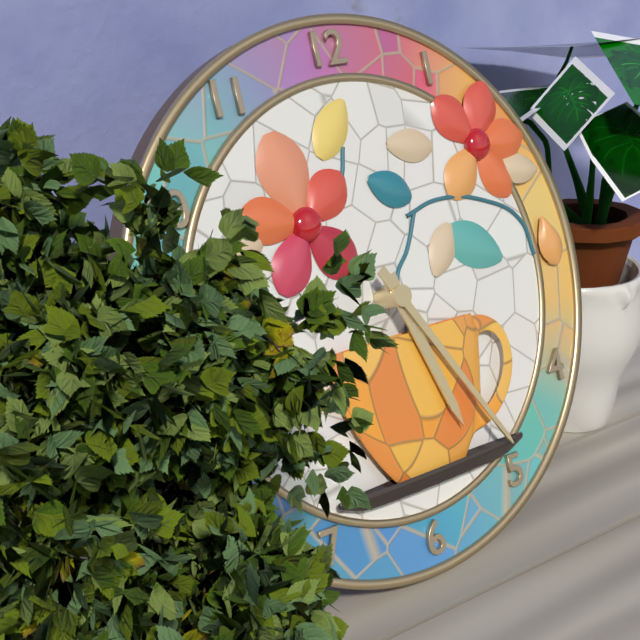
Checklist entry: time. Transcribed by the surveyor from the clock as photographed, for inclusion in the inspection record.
5:25
